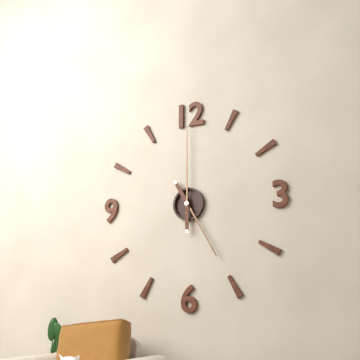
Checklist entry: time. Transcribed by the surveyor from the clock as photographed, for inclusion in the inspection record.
5:00
